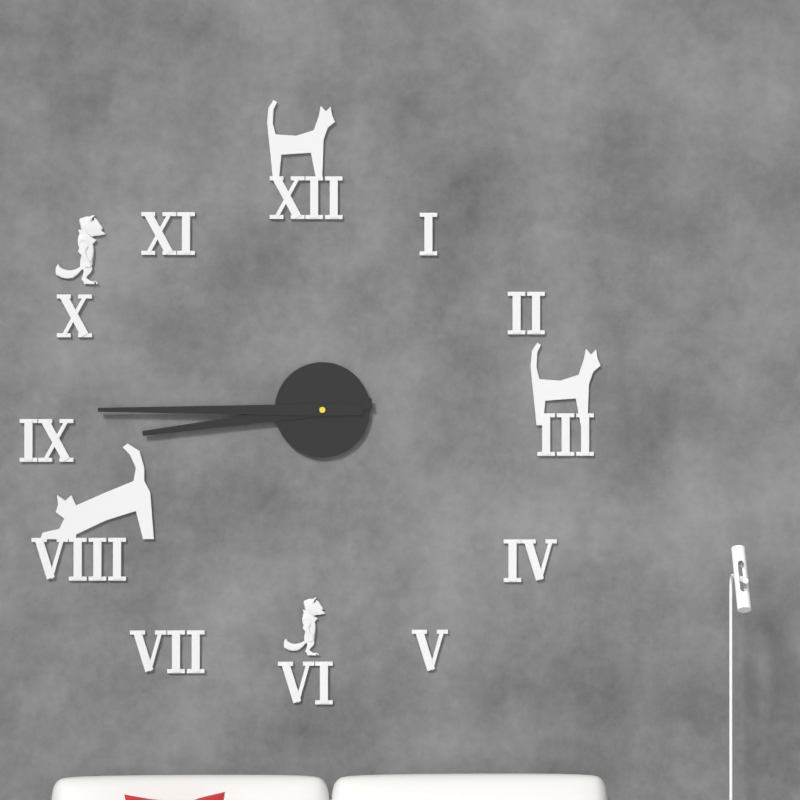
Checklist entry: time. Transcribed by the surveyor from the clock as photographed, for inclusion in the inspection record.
8:45
